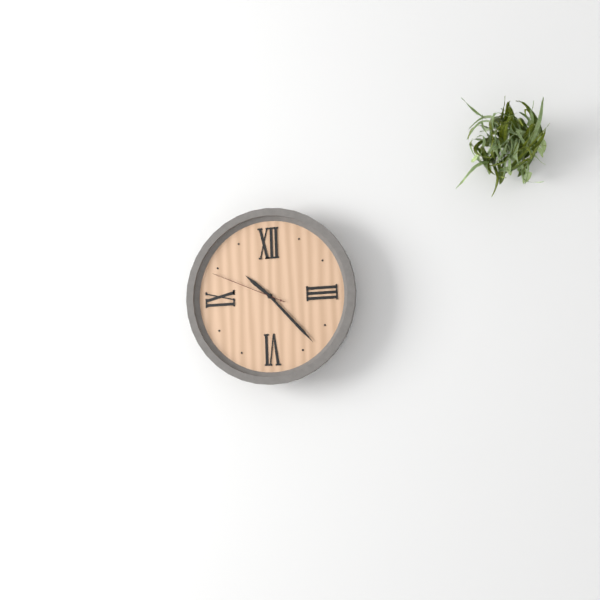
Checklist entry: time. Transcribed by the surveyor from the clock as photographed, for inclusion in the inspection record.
10:23:49
